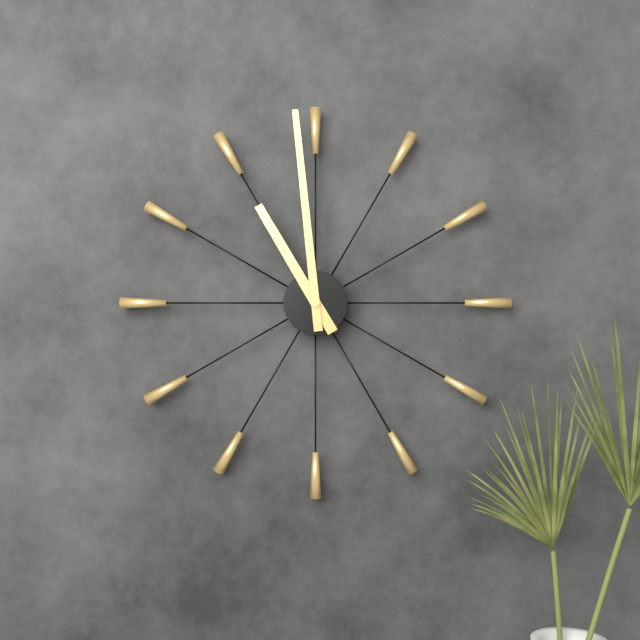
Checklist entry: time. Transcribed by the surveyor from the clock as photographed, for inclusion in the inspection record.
10:59
